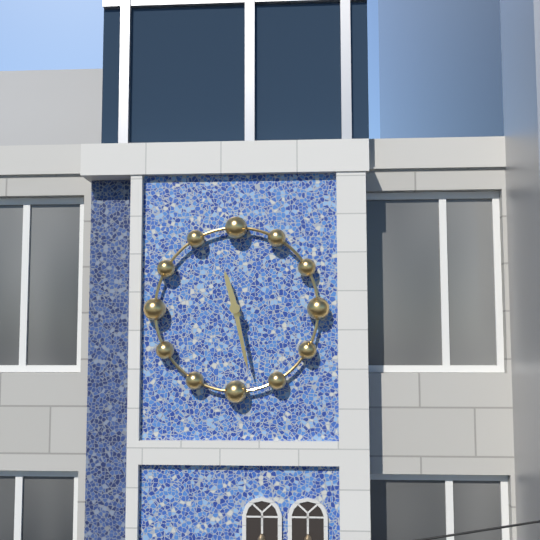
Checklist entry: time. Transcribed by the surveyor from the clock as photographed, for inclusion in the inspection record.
11:28
